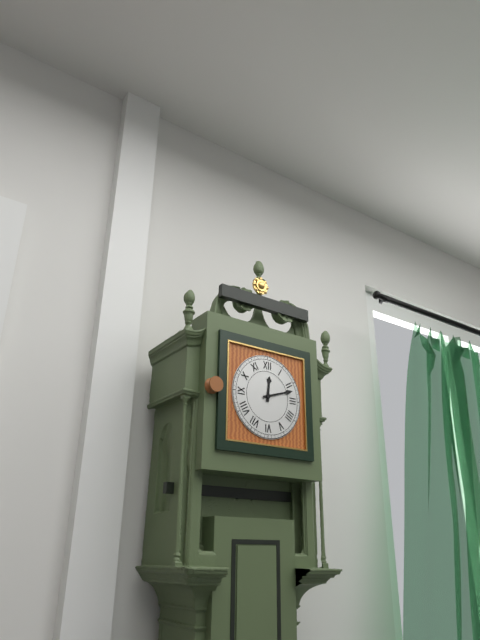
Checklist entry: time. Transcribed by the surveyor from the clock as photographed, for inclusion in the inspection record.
12:12
